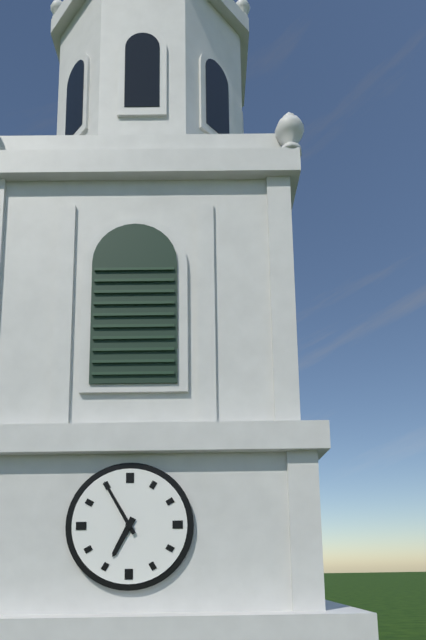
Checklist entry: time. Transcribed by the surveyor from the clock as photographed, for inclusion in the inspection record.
6:55
